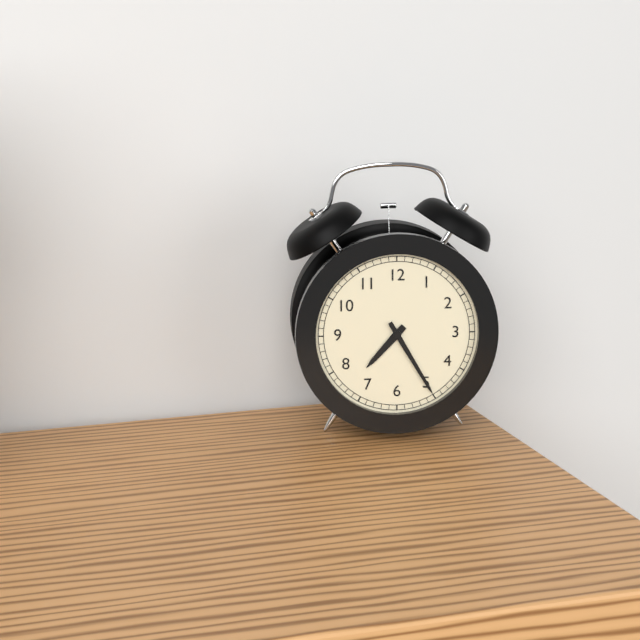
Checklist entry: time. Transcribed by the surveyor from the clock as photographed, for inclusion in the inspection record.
7:25
